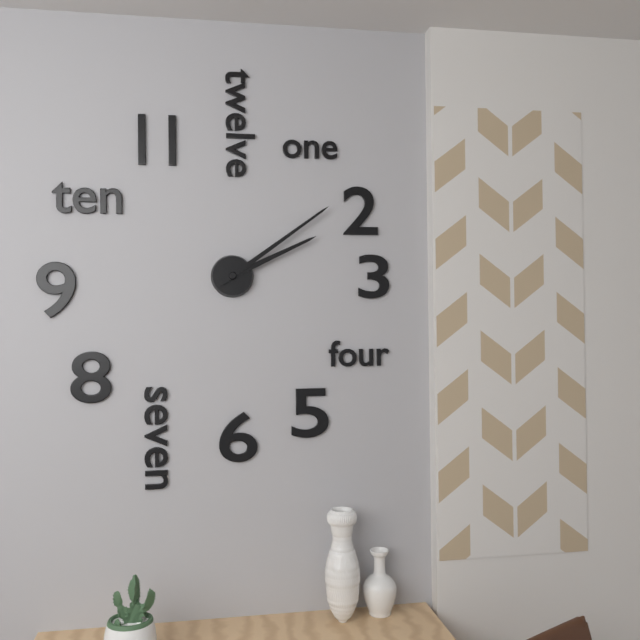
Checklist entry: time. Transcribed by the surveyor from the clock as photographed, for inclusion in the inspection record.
2:09
